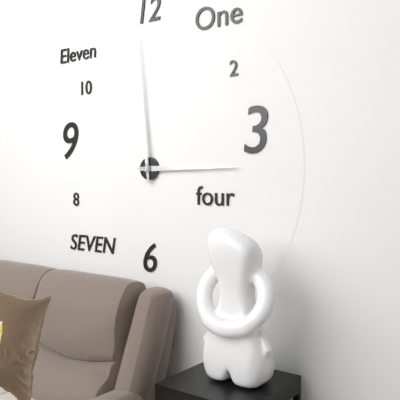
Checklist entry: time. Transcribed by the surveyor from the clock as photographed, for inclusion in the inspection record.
2:59
